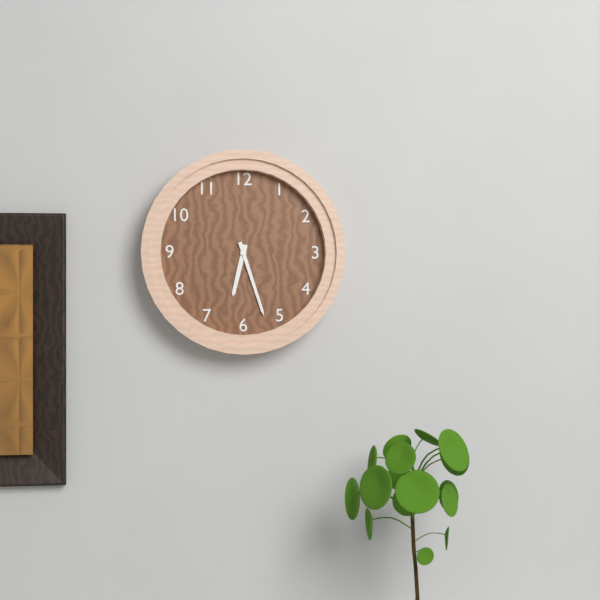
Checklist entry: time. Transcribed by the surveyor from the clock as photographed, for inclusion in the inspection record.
6:27
